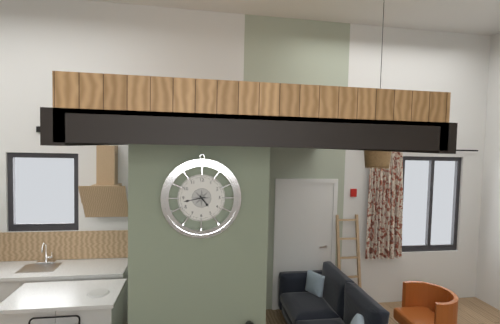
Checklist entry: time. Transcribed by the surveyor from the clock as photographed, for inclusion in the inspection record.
4:43
